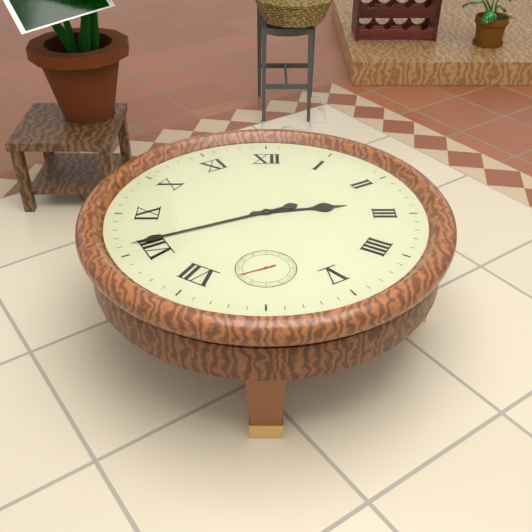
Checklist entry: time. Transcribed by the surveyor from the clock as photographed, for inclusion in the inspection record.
2:41
